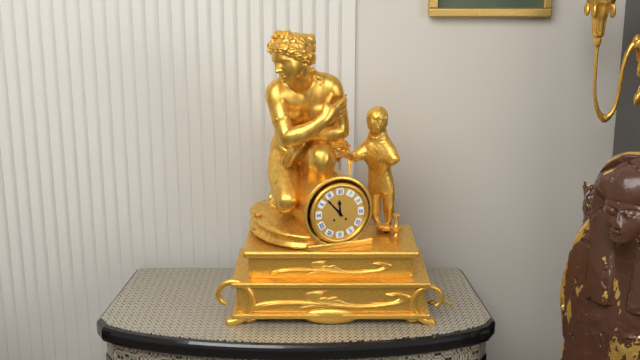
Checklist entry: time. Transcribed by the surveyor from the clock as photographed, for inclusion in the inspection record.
11:53
